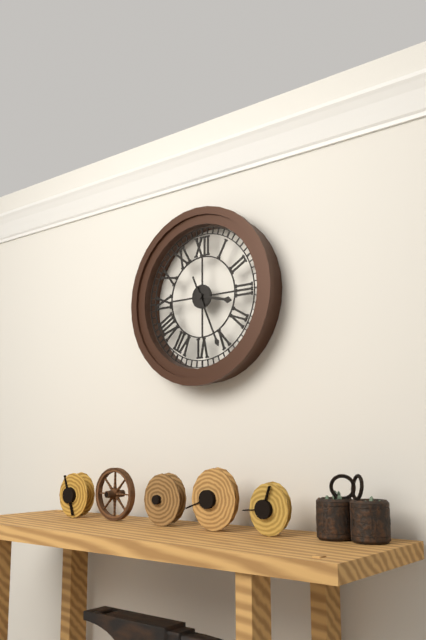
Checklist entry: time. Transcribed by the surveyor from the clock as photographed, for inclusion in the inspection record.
3:26
